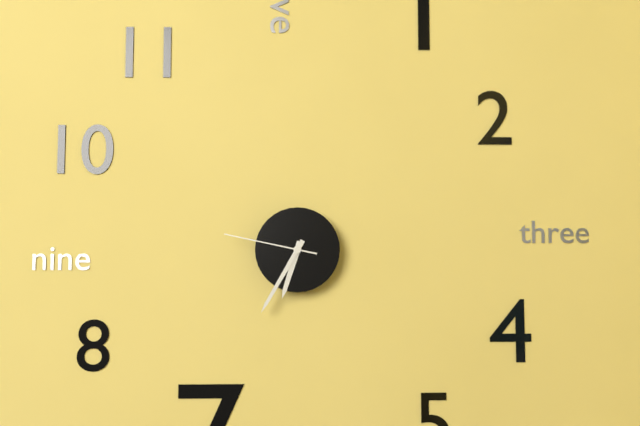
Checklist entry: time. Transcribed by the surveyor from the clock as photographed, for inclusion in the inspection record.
6:35:47
